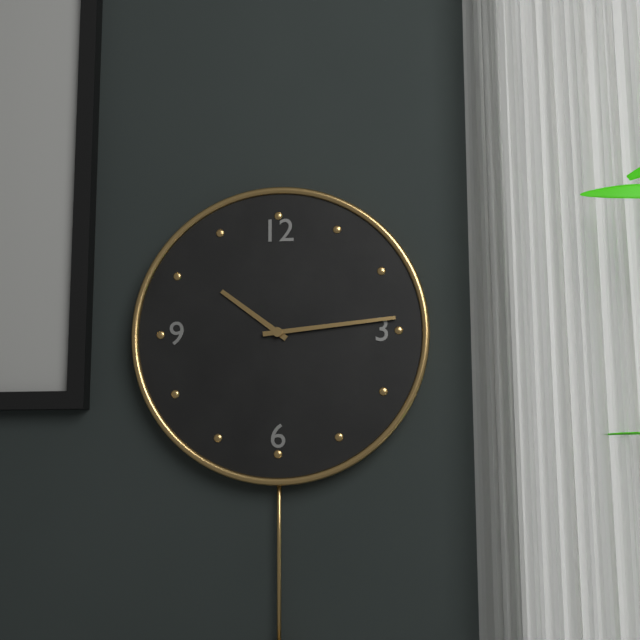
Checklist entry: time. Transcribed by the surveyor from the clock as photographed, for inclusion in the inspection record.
10:14
